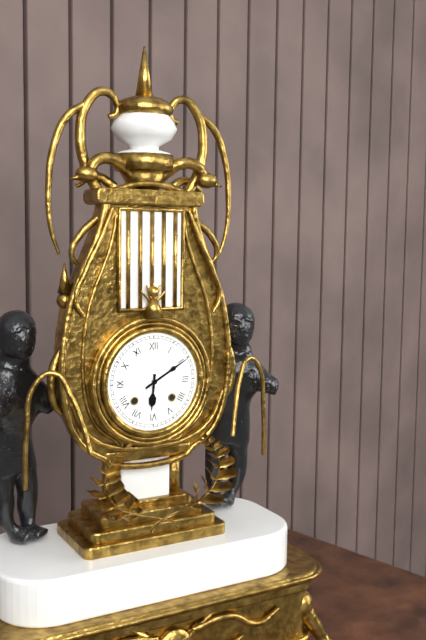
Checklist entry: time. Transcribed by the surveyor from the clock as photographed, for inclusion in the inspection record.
6:10
